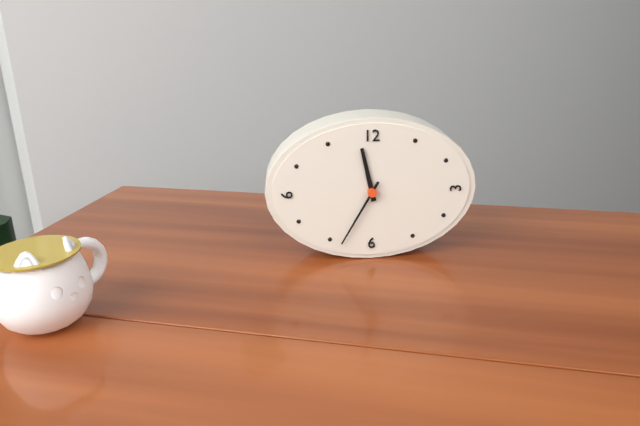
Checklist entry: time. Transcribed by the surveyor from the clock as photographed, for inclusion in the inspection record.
11:35
